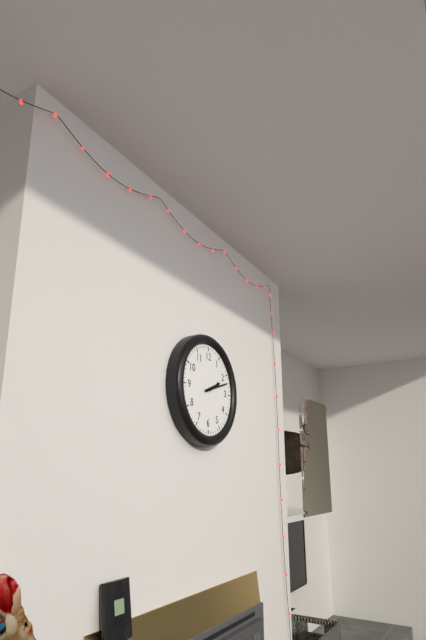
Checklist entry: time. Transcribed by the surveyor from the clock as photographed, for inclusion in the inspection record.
2:12
